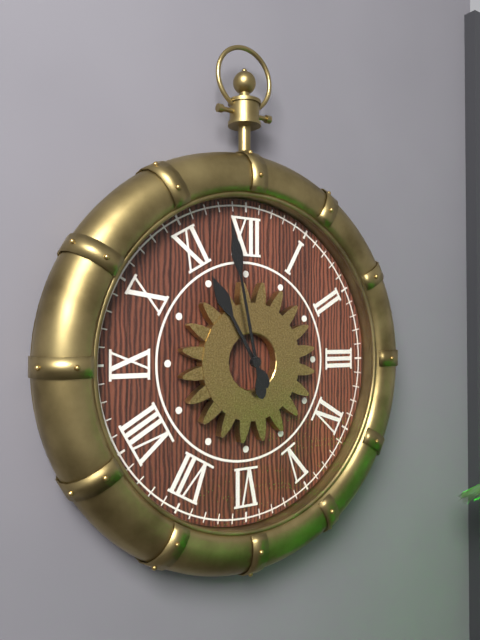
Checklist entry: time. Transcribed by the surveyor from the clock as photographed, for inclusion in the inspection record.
10:58
